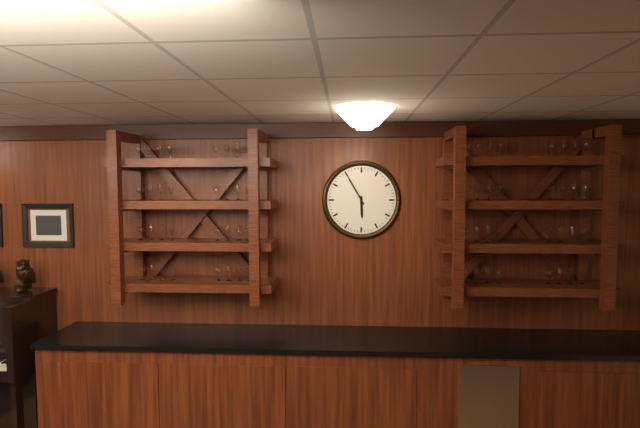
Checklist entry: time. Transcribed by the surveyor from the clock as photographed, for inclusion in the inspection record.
5:55
